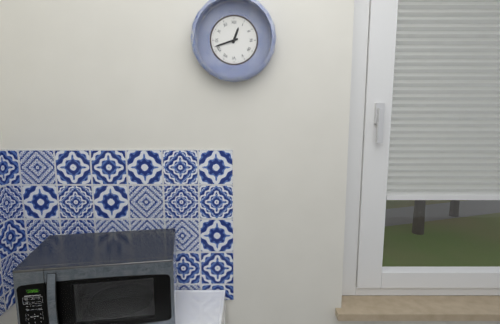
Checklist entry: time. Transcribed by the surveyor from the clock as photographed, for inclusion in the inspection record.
12:42
